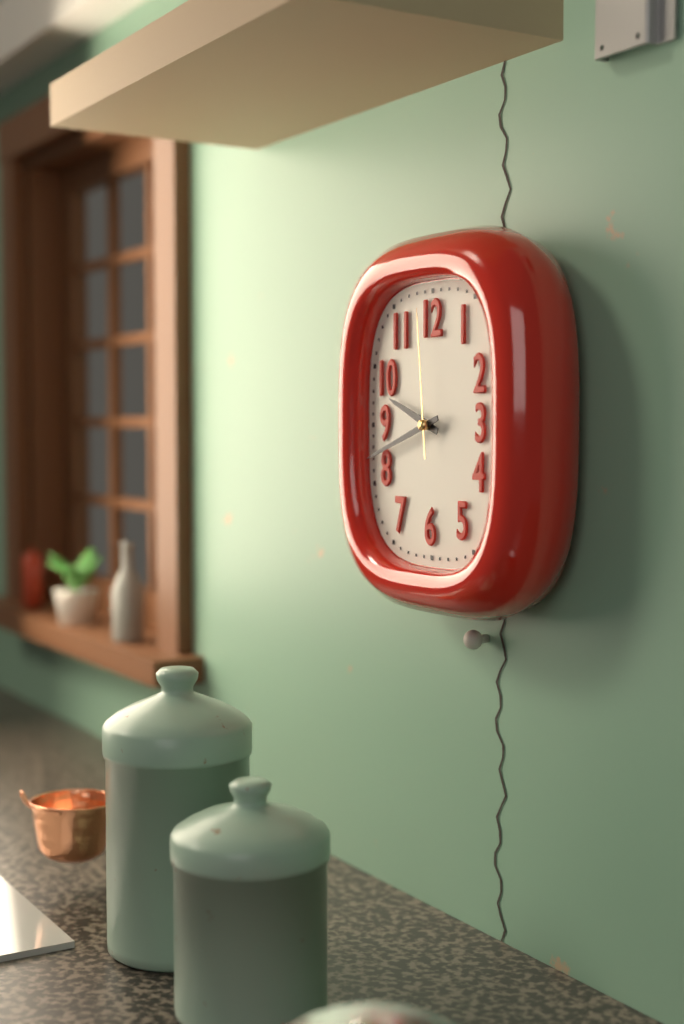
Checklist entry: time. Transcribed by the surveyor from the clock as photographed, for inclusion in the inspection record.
9:42:59
